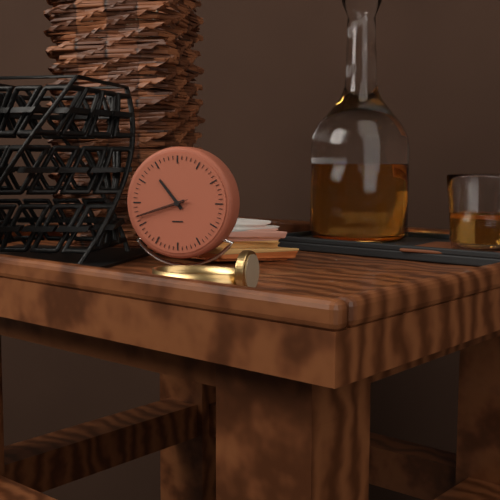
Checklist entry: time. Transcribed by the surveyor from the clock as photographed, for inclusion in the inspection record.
10:42:42
